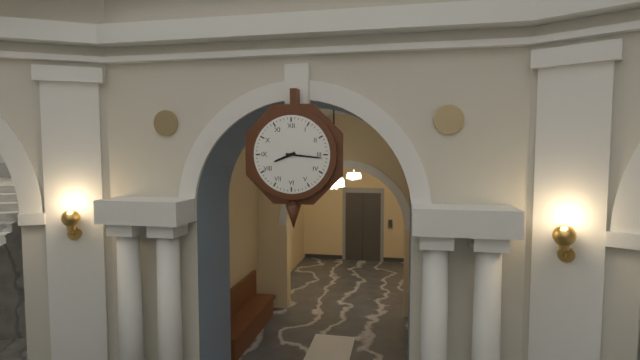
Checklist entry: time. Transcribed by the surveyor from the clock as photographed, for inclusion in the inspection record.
8:16
